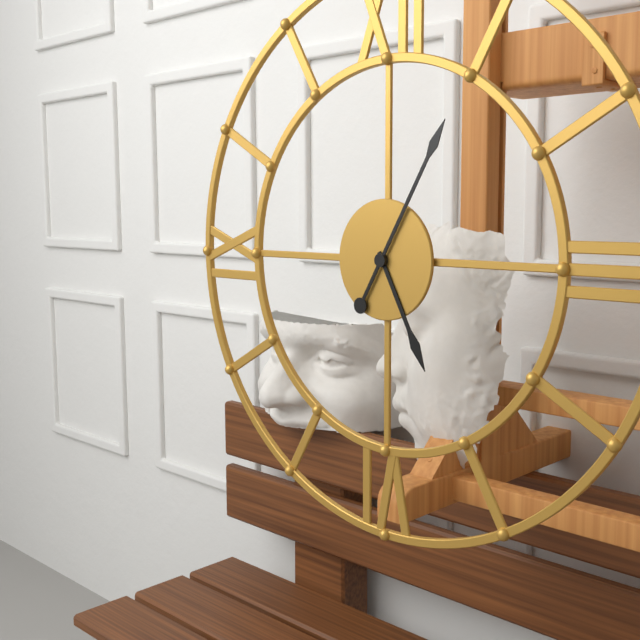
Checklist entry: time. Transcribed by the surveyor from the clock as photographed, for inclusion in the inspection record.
5:05
